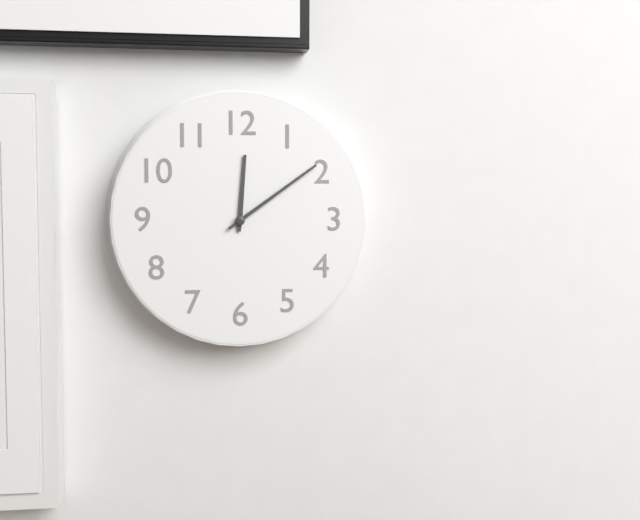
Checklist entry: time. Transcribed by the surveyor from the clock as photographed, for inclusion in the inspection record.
12:09
